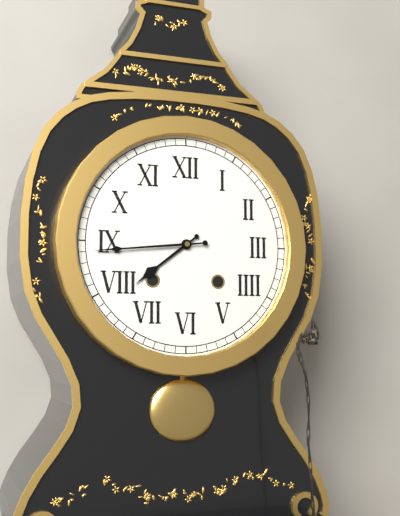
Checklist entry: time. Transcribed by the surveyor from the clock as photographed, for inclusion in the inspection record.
7:44
